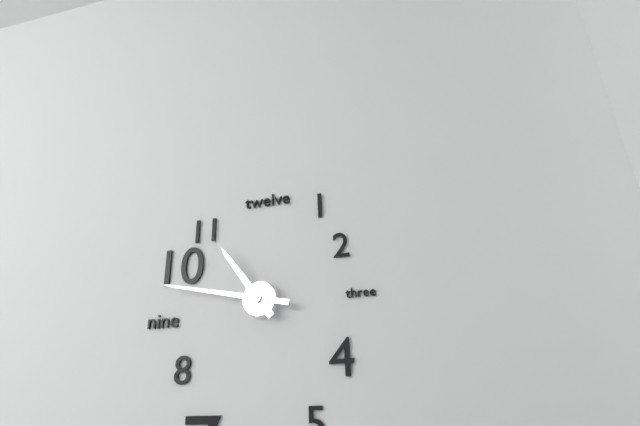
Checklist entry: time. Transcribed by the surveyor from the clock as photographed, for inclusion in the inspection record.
10:47
